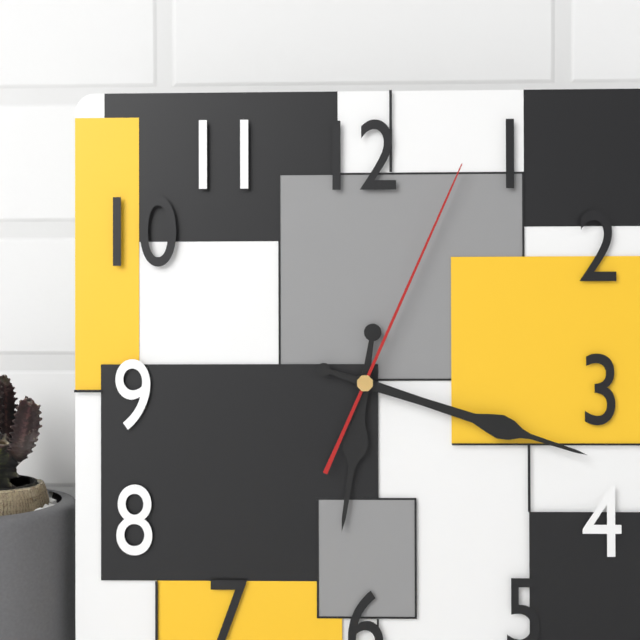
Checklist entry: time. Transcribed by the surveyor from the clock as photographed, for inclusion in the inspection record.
6:18:04
